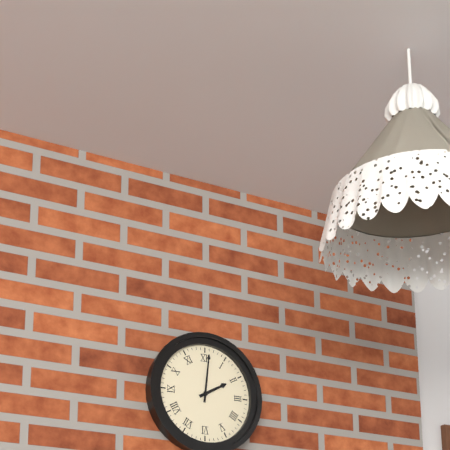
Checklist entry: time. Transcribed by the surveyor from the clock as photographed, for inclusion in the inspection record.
2:01
